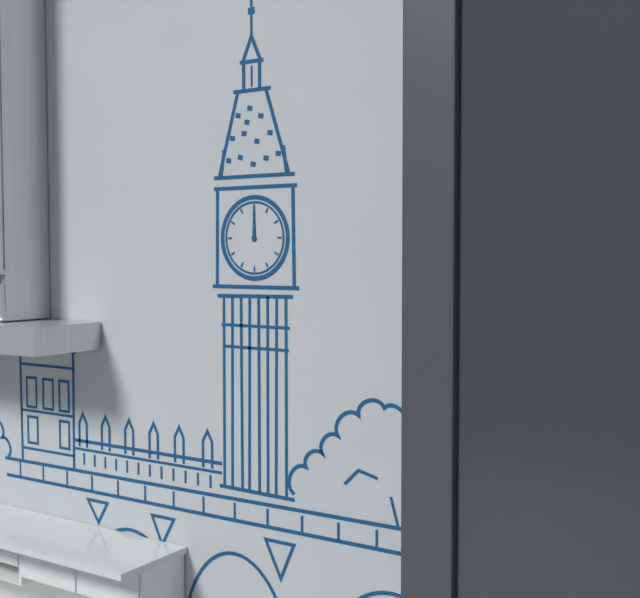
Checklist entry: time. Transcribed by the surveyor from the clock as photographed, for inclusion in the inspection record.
12:00
